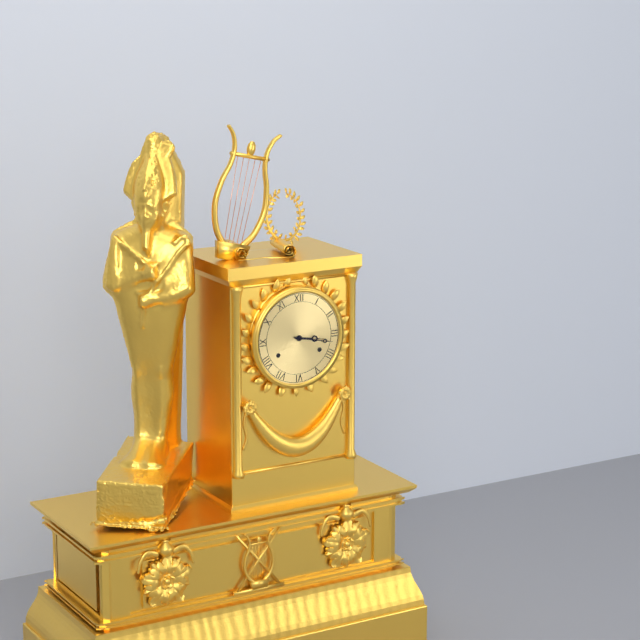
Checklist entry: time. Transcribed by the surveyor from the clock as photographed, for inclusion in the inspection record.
3:17
